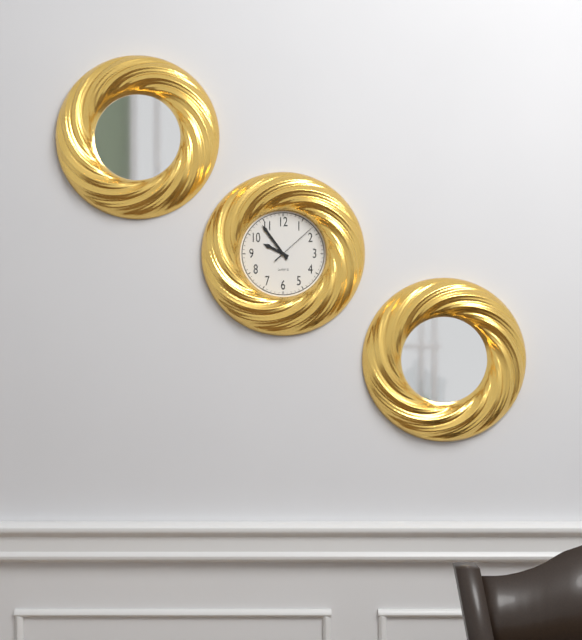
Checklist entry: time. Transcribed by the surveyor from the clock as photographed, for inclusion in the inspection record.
9:54
